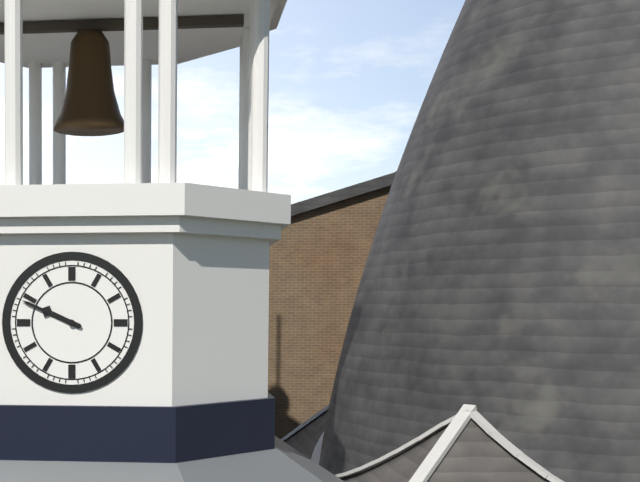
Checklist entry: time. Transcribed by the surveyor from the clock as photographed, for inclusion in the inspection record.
9:49
